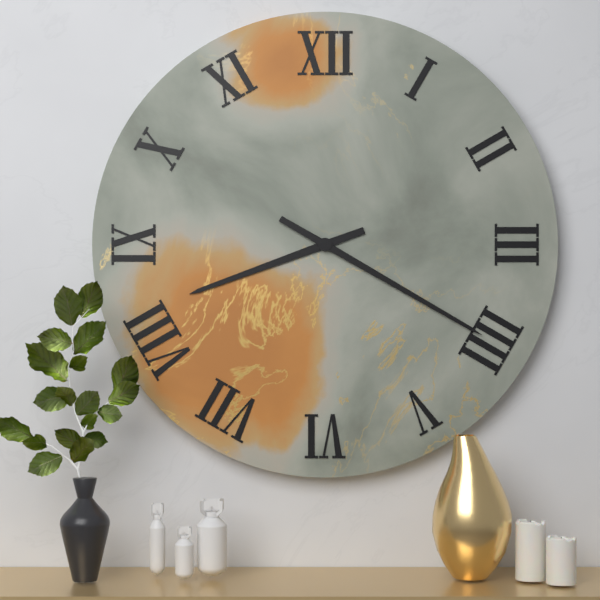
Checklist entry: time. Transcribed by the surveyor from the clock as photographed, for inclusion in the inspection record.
8:20
